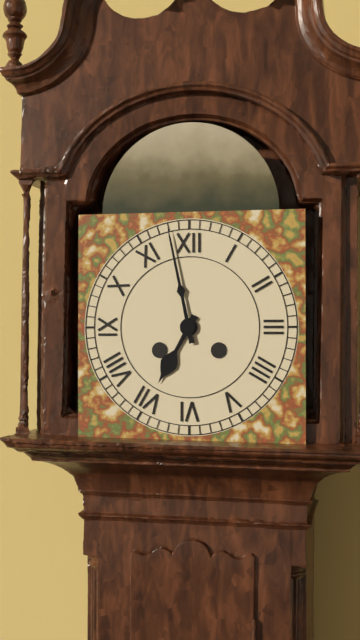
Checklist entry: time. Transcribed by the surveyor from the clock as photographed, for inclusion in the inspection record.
6:58
